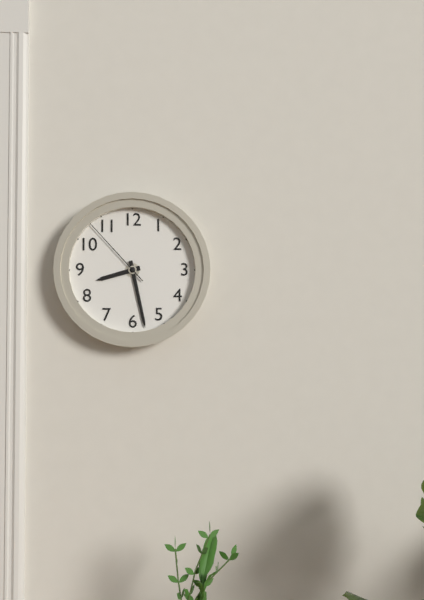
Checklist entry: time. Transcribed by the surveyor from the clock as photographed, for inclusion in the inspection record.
8:28:53
